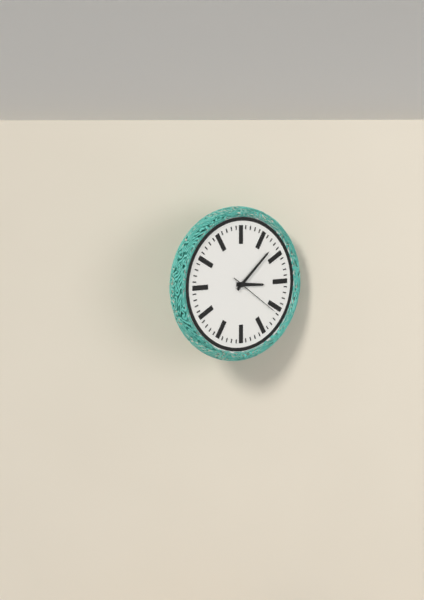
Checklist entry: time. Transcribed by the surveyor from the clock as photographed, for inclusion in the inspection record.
3:08:21
